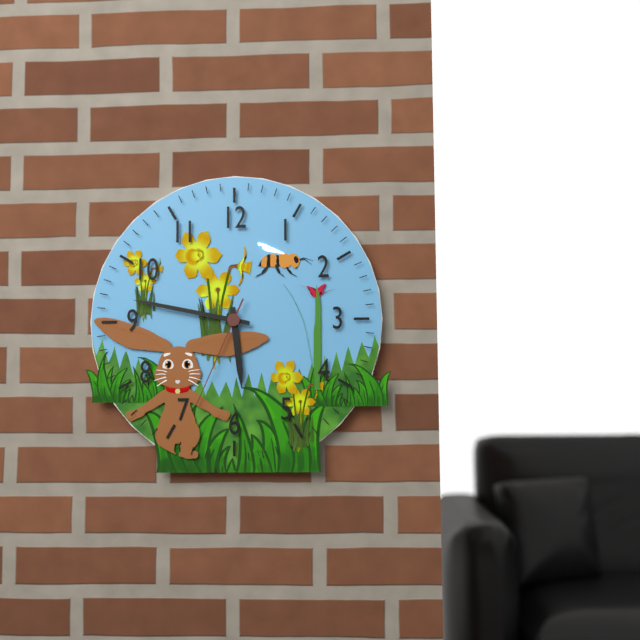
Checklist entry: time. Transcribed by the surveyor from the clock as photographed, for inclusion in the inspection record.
5:47:34
